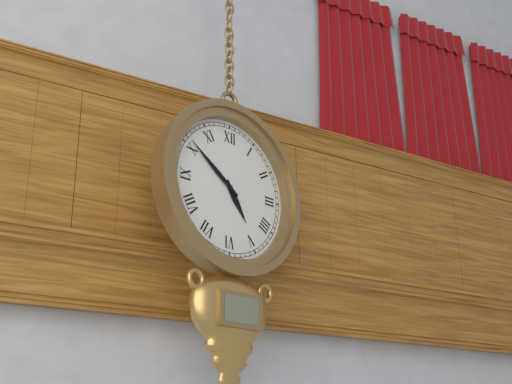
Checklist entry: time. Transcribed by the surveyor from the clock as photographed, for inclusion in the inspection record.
4:51
